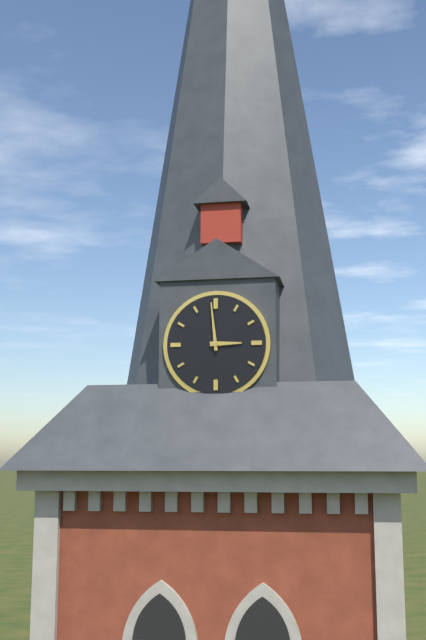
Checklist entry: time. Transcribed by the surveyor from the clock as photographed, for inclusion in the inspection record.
2:59
